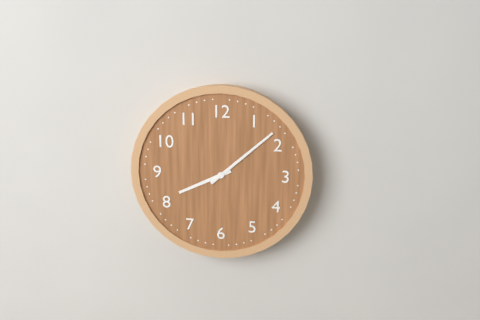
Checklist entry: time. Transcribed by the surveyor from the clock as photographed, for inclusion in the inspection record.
8:08
